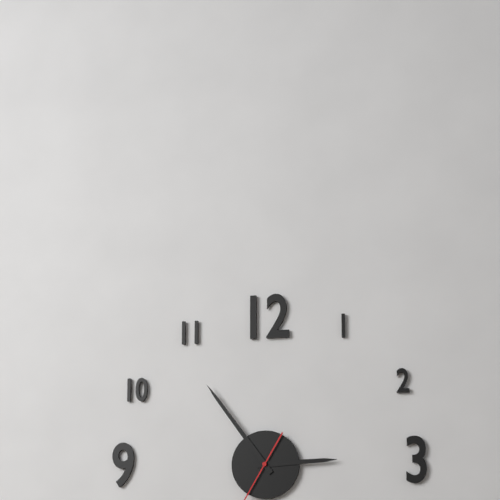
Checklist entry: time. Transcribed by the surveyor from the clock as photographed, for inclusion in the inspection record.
2:54
